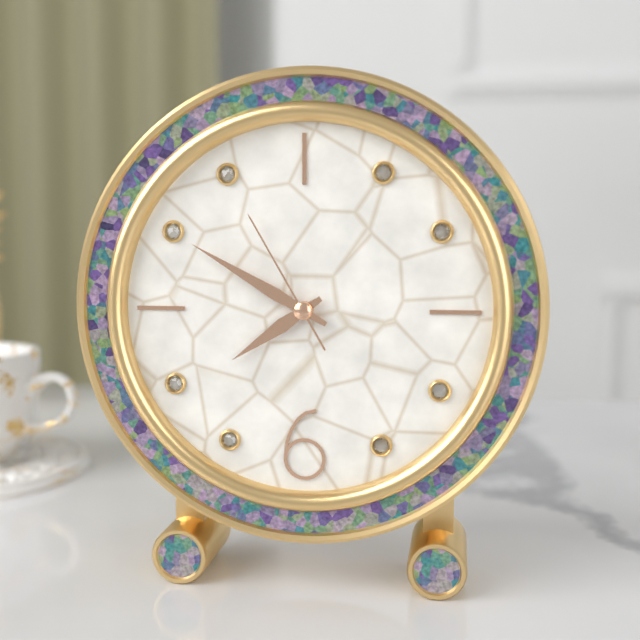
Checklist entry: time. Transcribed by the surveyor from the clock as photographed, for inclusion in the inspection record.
7:50:55
